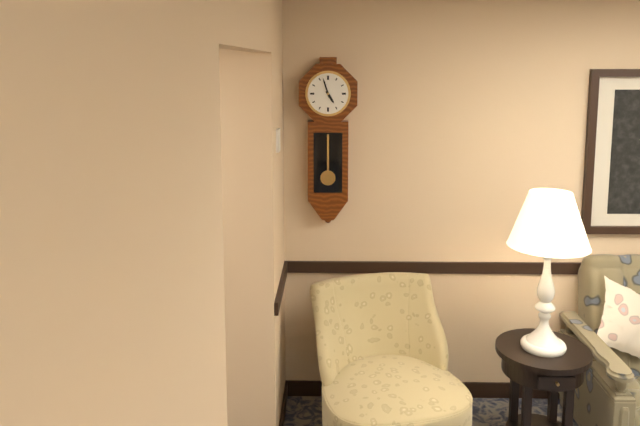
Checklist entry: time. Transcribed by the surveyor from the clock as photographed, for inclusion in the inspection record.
4:57
